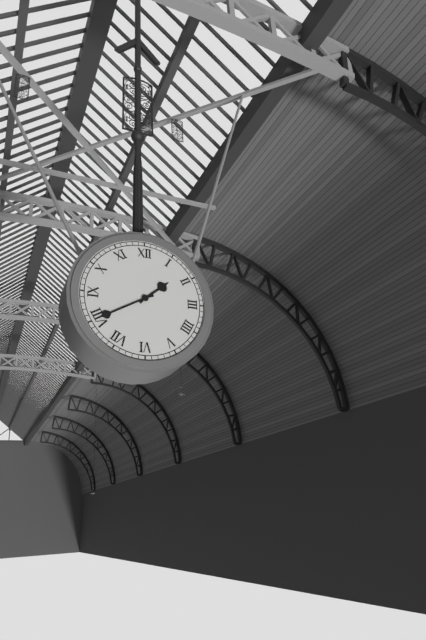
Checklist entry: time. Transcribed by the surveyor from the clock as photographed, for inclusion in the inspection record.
1:40
